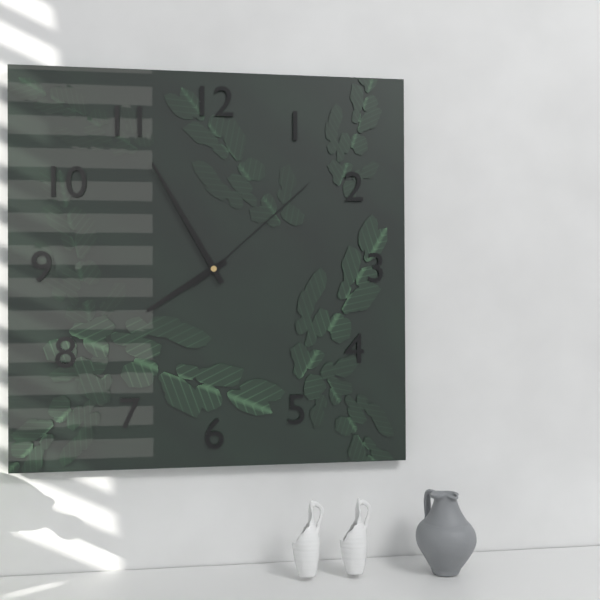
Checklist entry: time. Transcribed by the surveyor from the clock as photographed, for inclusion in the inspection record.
7:55:08
